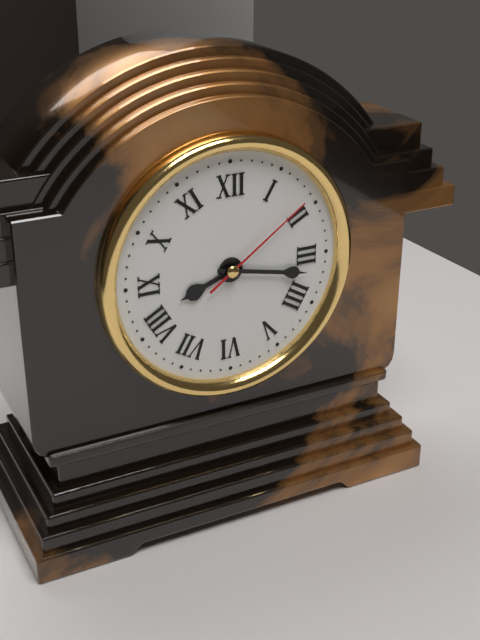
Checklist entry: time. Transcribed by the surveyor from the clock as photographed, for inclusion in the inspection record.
8:17:09
